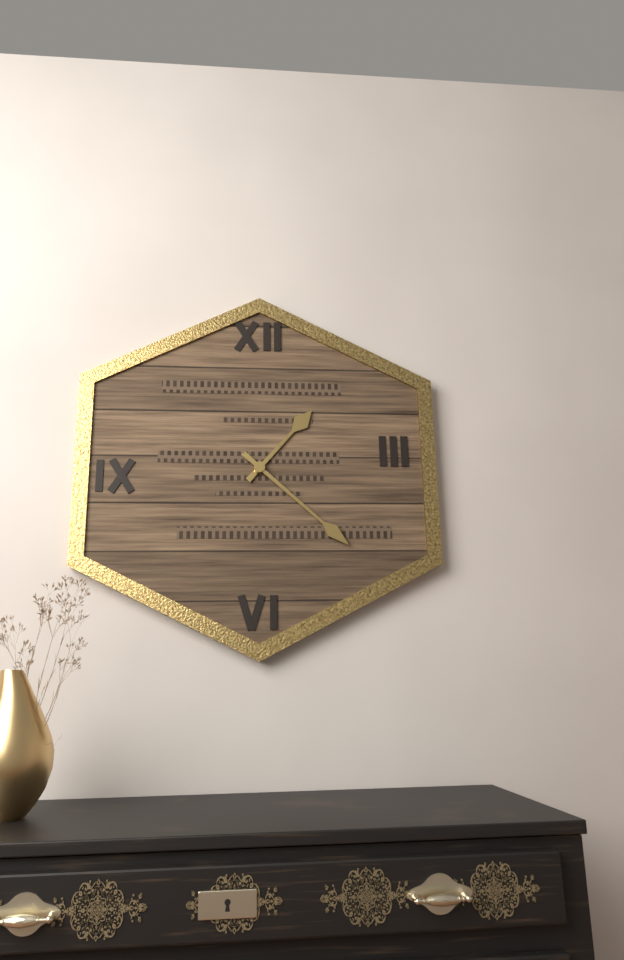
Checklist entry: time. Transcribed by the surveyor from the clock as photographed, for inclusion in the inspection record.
1:22
